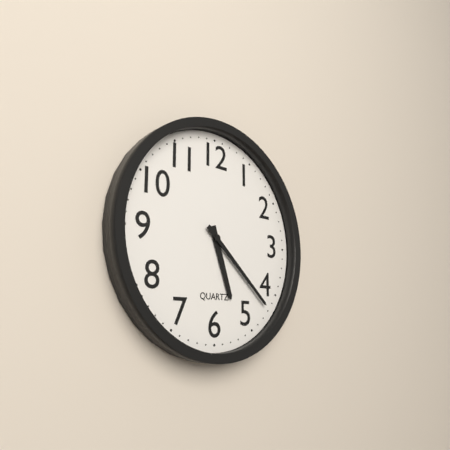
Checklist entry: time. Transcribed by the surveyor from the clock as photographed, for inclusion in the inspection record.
5:22
